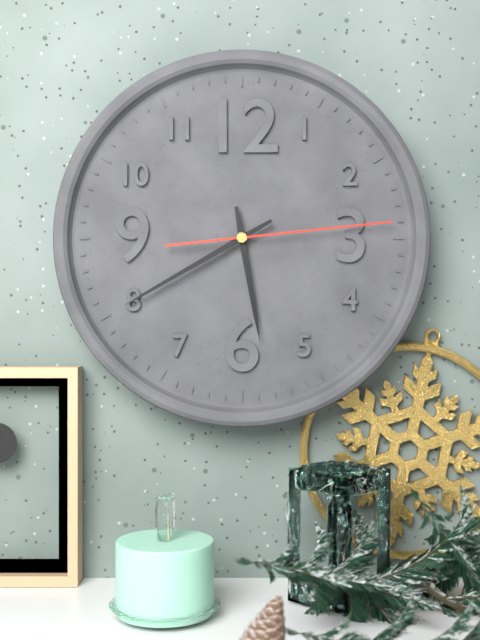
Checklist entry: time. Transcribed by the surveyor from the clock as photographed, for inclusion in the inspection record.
5:40:14
